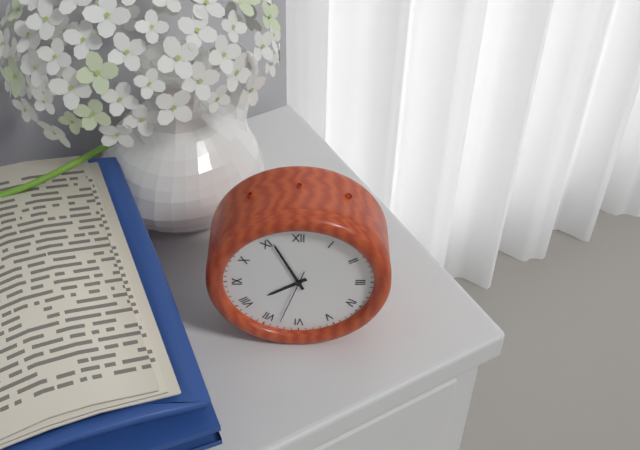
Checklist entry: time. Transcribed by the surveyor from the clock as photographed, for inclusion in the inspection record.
7:56:33
